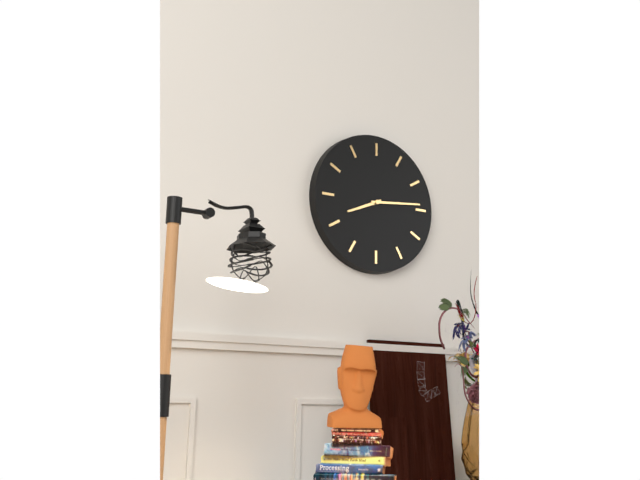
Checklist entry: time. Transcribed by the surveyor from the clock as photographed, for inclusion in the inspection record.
8:14
